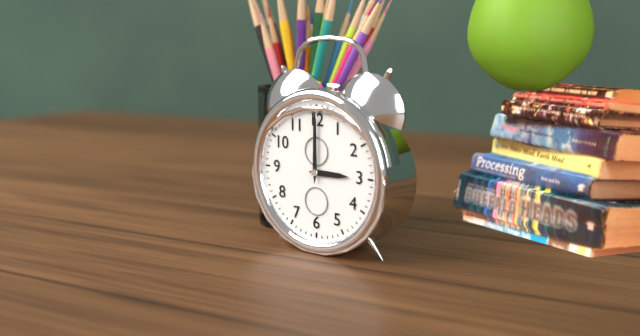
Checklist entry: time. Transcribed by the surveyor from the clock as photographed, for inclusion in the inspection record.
3:00
